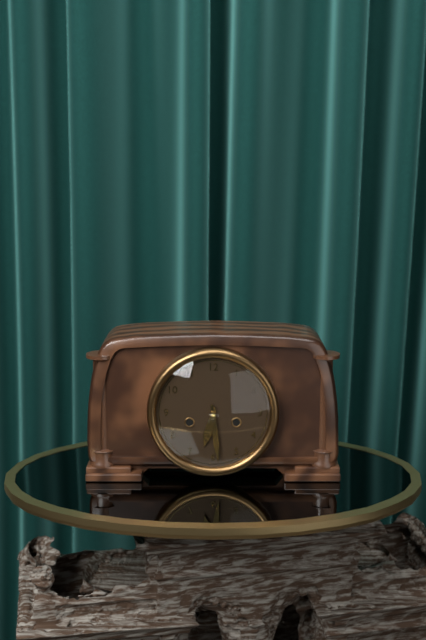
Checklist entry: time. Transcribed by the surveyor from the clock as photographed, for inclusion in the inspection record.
6:29
